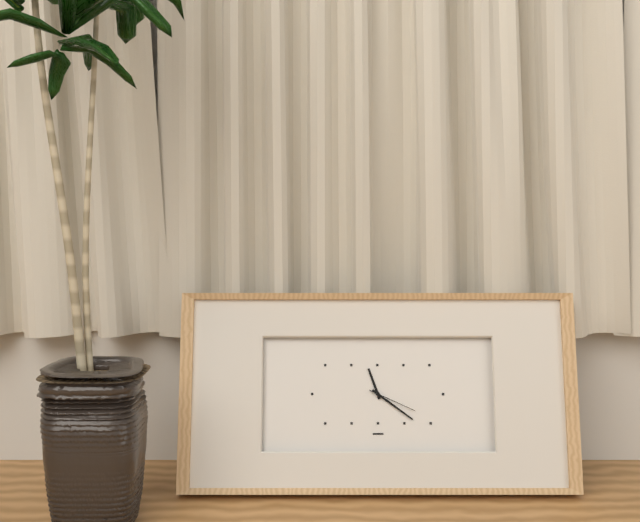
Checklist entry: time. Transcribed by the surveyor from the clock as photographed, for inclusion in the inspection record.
11:21:19
